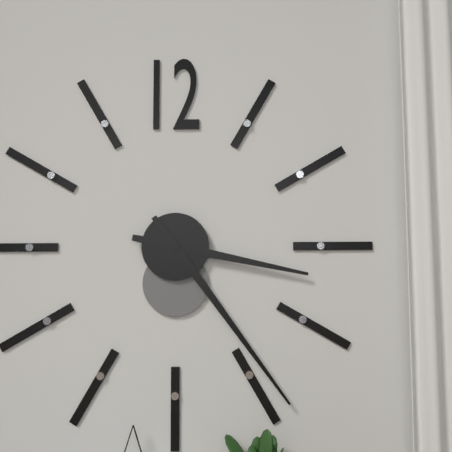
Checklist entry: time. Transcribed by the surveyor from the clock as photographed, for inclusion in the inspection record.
3:24
